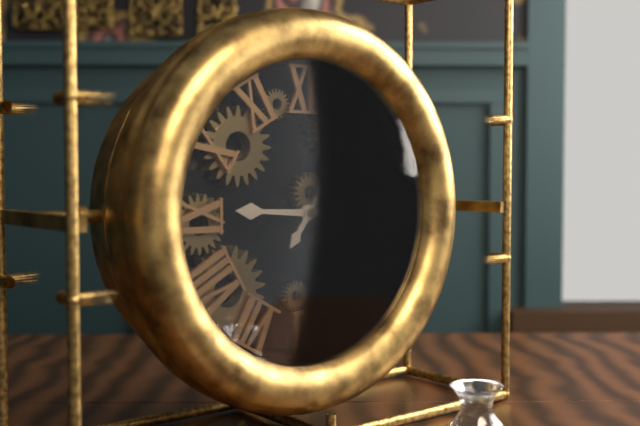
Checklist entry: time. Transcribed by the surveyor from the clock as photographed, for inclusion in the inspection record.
9:06
